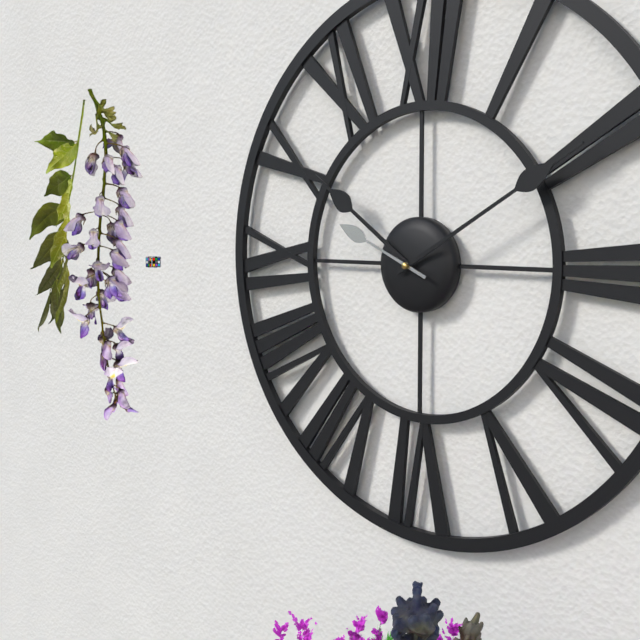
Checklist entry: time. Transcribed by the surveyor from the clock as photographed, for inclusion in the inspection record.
10:10:49
